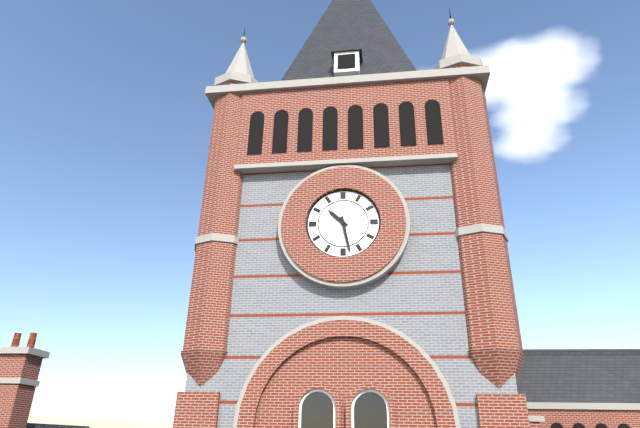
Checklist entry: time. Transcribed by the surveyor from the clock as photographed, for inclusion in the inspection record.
10:28
